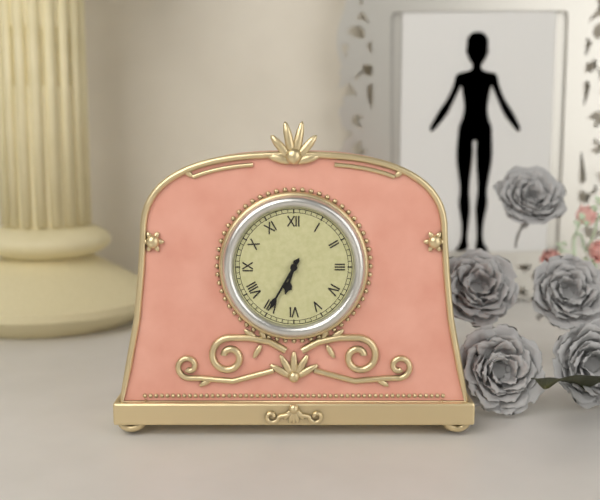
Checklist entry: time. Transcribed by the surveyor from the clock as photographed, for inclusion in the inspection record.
6:35
